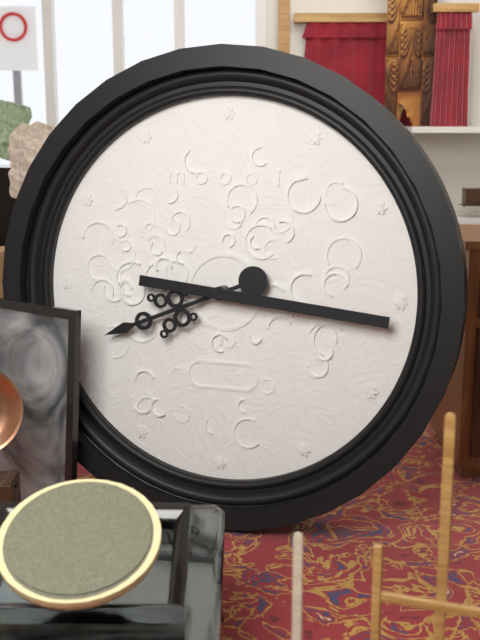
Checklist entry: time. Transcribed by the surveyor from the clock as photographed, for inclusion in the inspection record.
8:16
